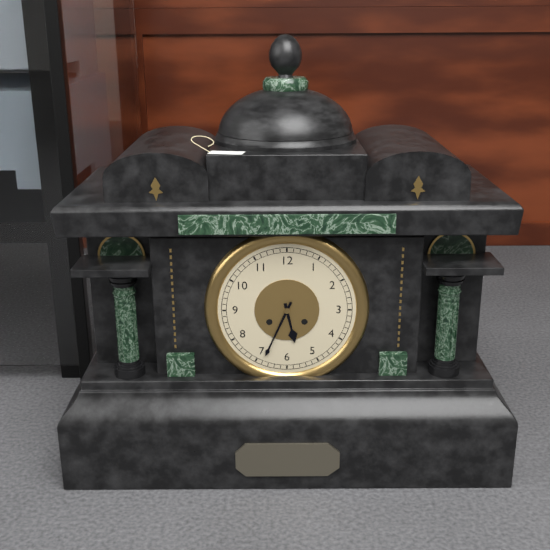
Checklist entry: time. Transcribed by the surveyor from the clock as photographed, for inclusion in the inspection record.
5:34
